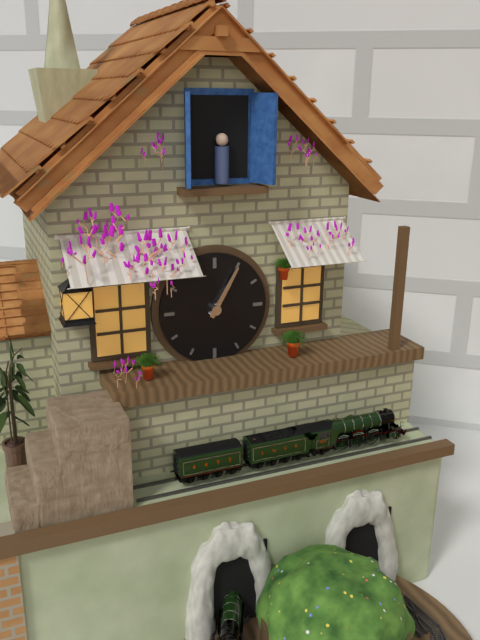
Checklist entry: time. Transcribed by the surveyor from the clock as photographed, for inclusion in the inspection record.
1:05
